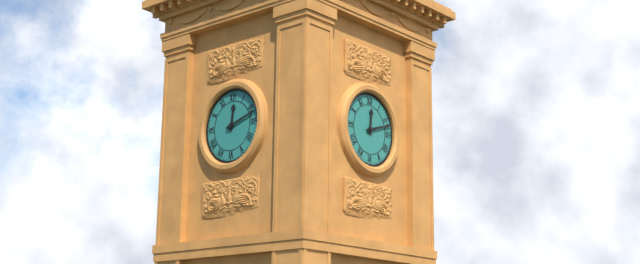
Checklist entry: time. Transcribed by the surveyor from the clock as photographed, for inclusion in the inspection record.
12:12
